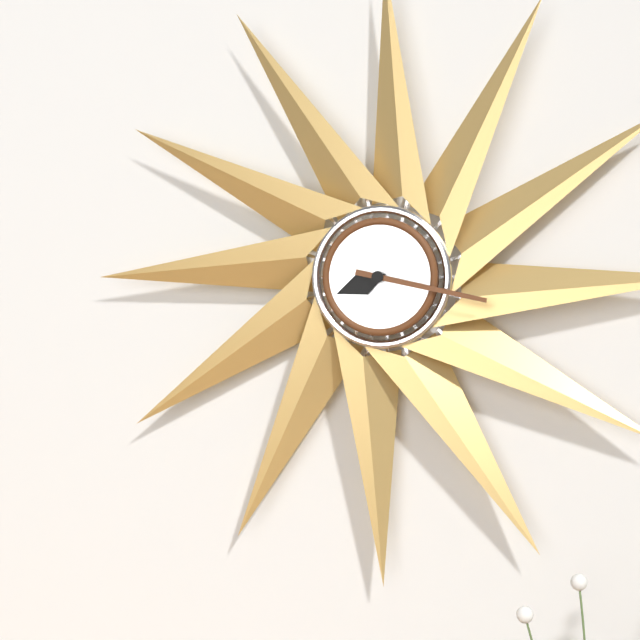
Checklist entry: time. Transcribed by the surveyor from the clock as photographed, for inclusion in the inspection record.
8:17
